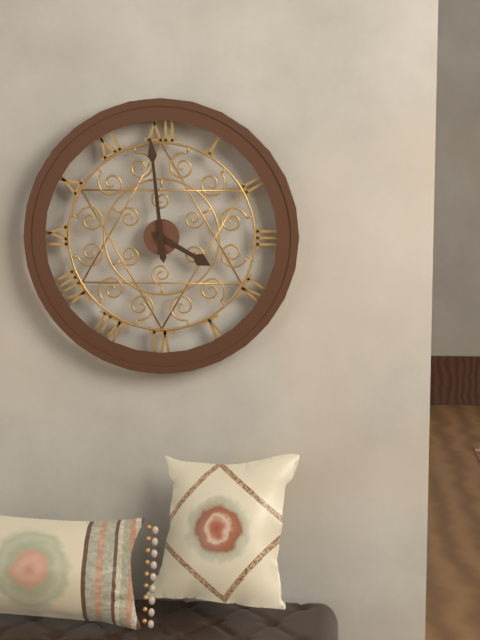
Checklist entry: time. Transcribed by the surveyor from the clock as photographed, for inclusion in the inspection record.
3:59
